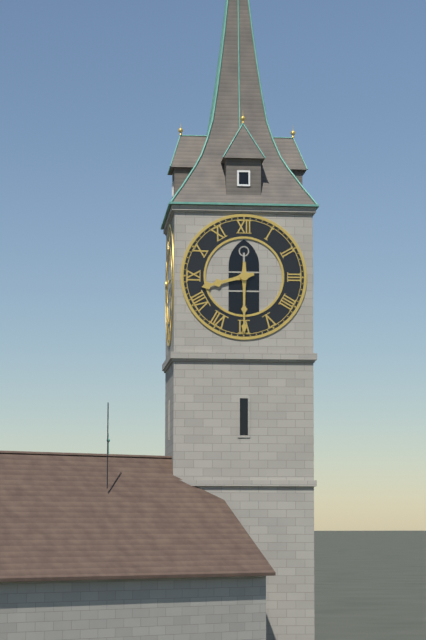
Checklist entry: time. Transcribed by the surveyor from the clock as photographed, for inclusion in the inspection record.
8:30
